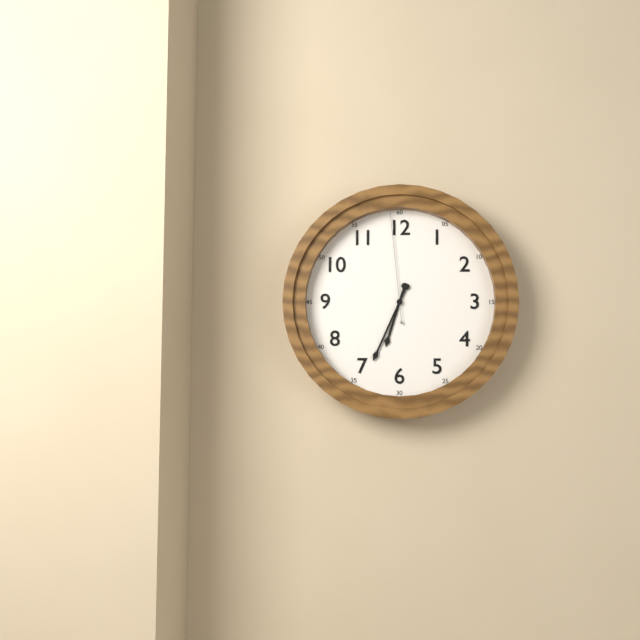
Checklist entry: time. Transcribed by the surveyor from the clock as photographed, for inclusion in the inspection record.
6:34:59
